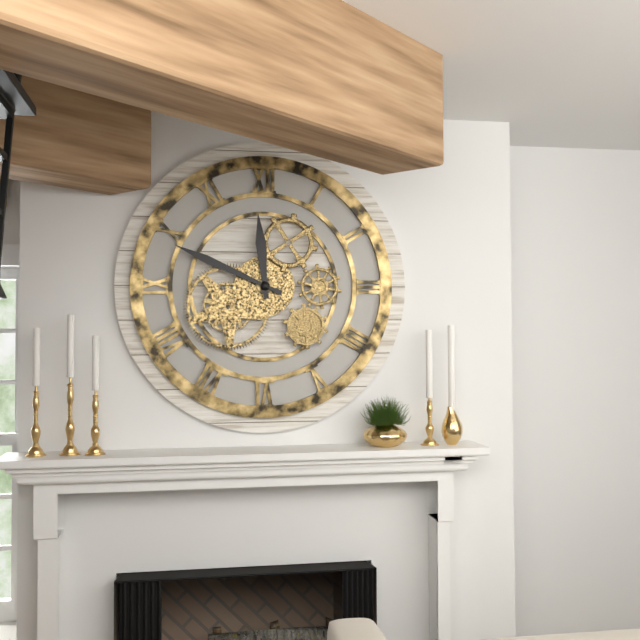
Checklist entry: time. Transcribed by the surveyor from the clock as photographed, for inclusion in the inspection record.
11:49
